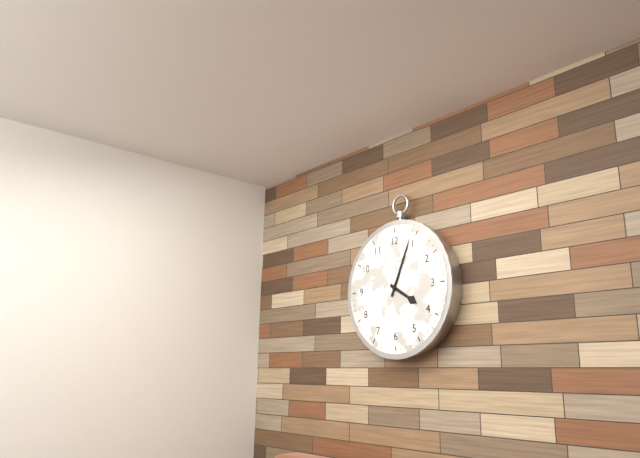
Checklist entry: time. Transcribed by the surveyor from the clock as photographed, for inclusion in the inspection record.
4:04
